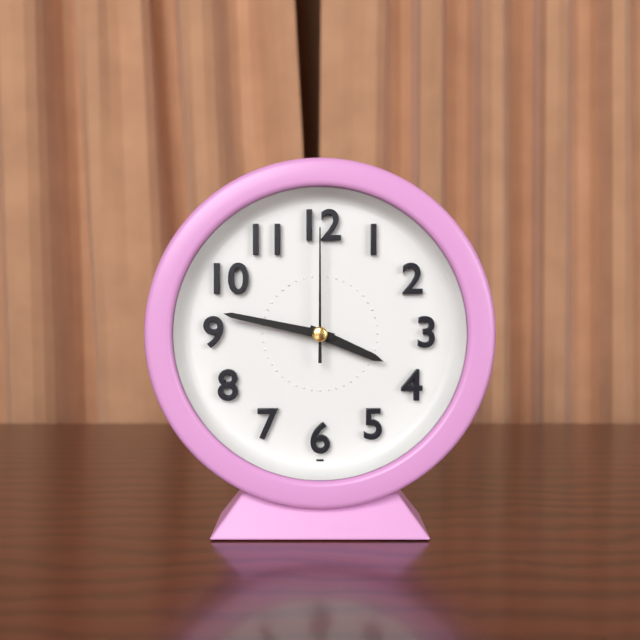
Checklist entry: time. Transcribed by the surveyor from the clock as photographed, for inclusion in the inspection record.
3:47:00
